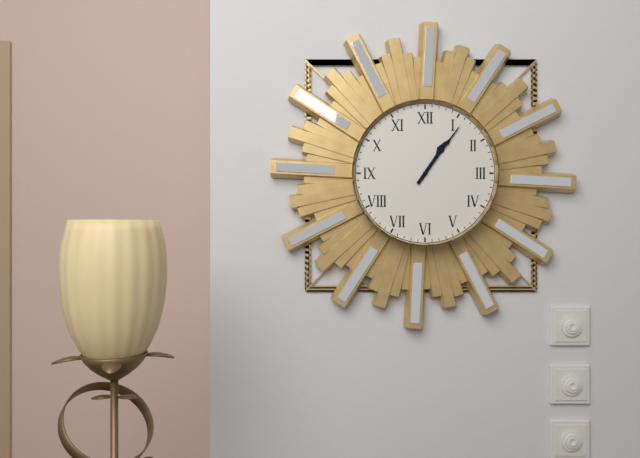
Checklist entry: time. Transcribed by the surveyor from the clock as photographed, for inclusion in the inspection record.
1:06
